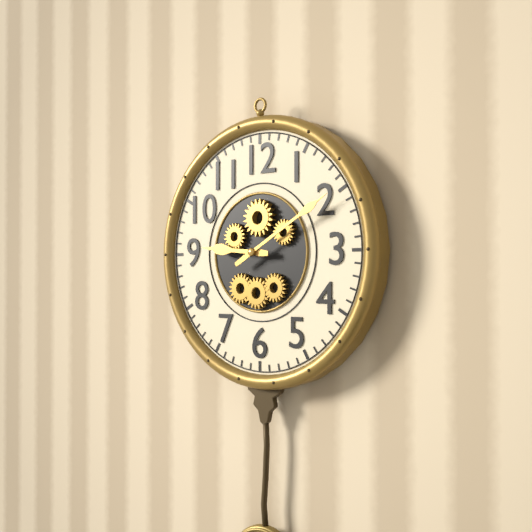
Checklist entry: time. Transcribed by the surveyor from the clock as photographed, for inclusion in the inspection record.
9:10
